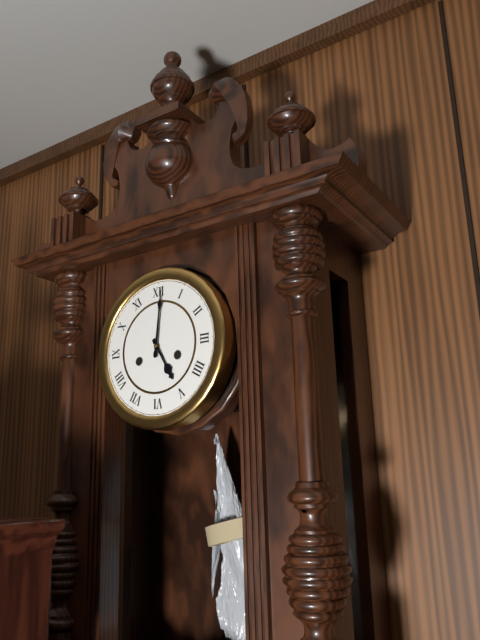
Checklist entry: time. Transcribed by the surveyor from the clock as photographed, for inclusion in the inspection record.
5:01
